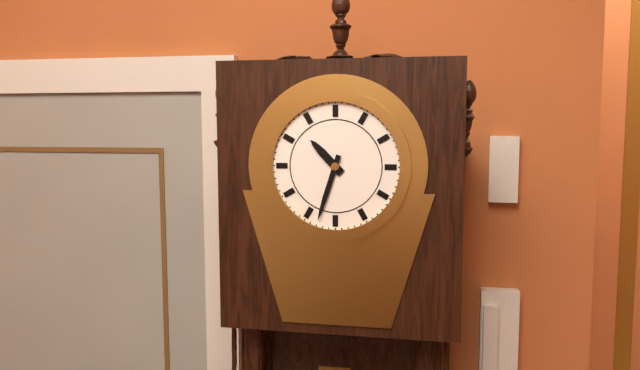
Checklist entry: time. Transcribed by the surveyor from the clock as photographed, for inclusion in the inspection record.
10:33
